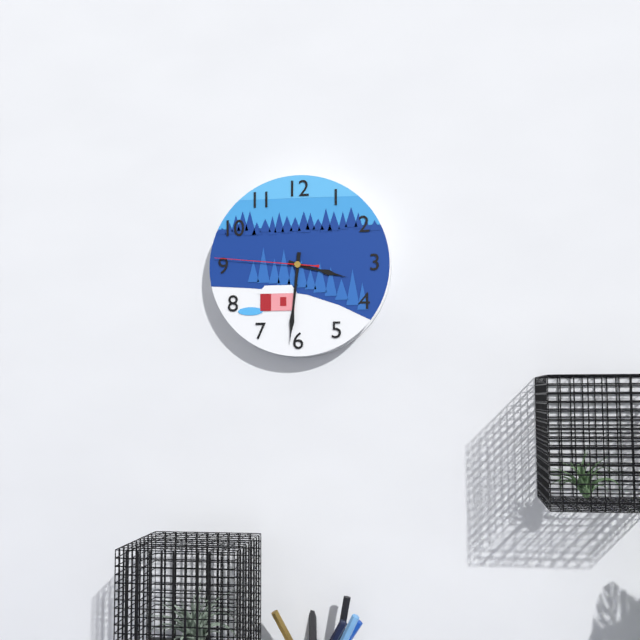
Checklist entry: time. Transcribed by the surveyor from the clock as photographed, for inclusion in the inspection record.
3:31:46
